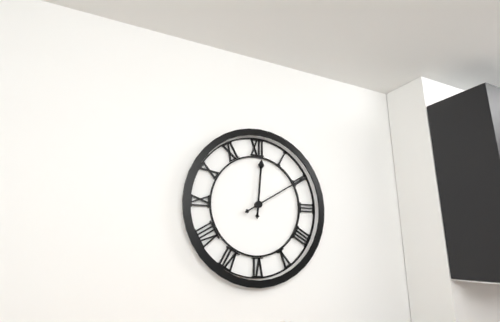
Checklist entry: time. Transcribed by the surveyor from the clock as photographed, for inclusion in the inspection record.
12:10
